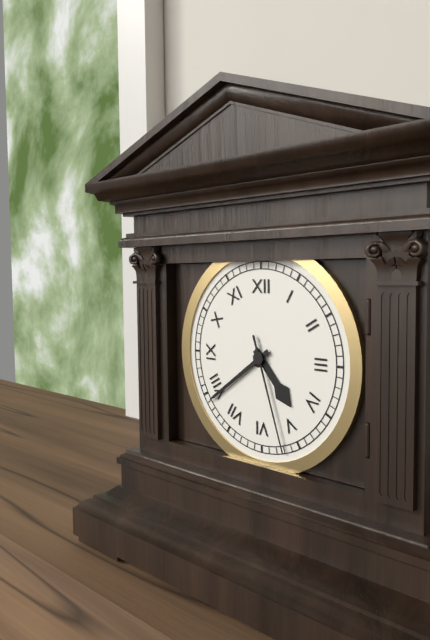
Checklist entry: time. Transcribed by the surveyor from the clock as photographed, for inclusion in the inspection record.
4:39:27
